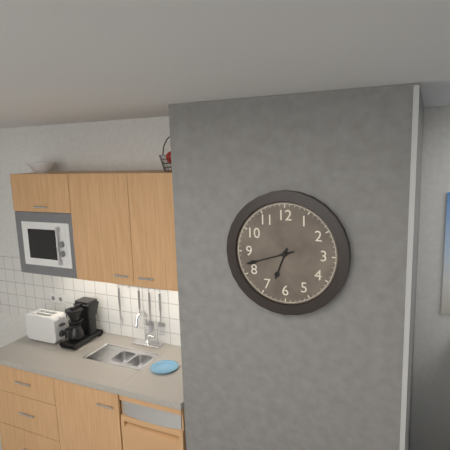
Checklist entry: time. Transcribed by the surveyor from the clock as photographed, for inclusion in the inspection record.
6:42
